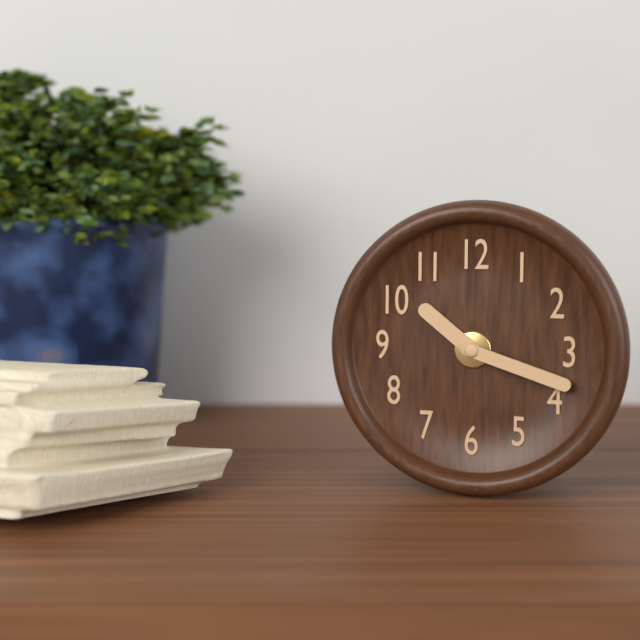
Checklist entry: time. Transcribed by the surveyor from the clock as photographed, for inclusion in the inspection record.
10:18
